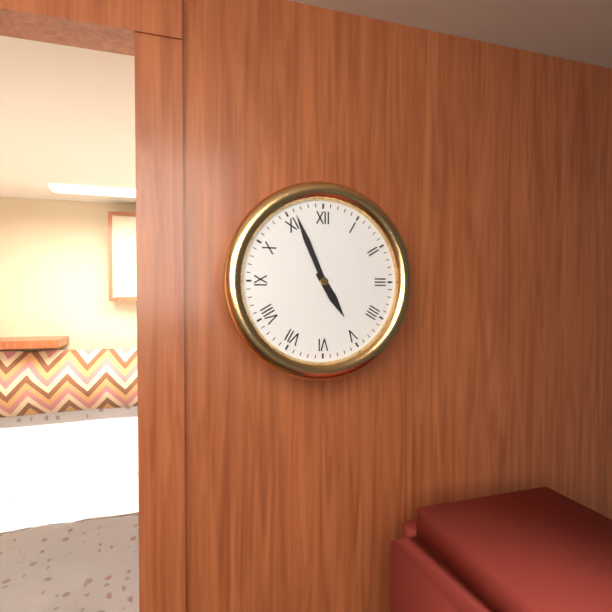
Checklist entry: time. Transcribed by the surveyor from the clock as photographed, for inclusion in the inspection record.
4:56
